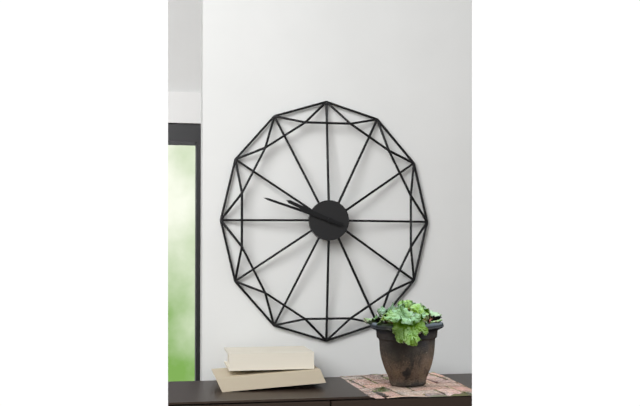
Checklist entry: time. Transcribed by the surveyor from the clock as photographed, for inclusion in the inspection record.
9:48
